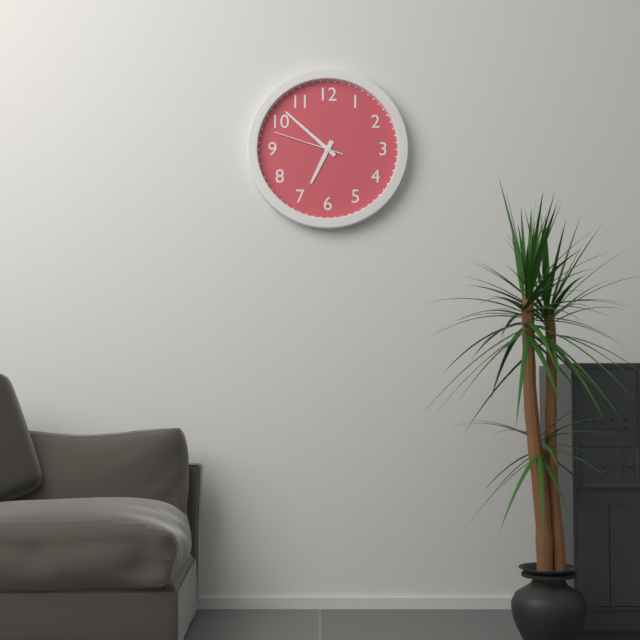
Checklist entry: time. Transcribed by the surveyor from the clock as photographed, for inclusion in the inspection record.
6:52:48
